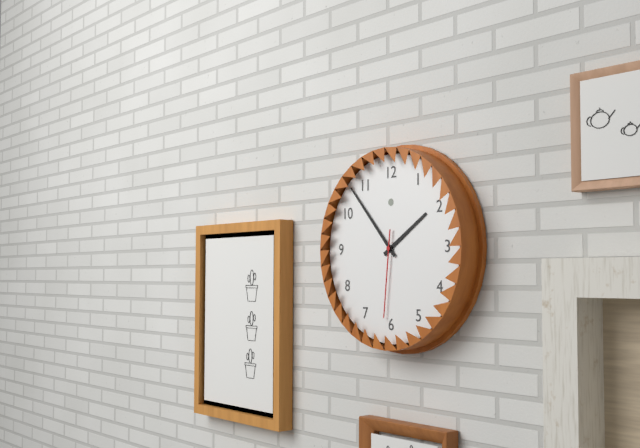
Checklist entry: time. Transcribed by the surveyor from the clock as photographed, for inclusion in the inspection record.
1:53:31
